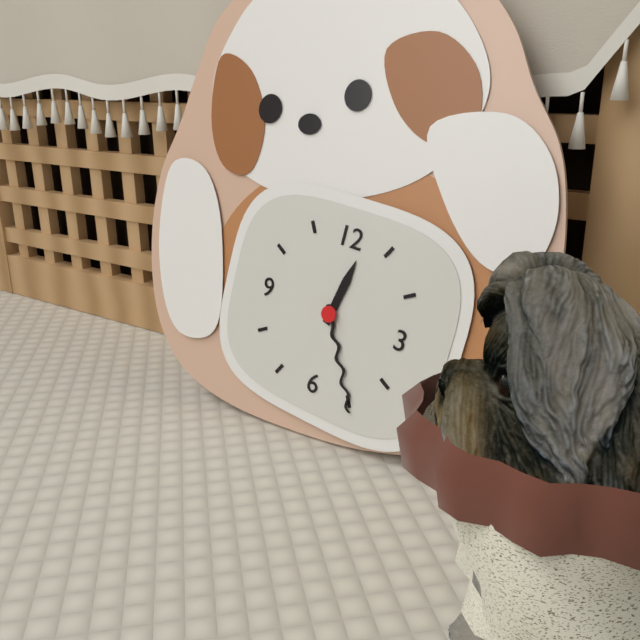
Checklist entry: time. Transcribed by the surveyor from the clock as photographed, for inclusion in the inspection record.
12:25
